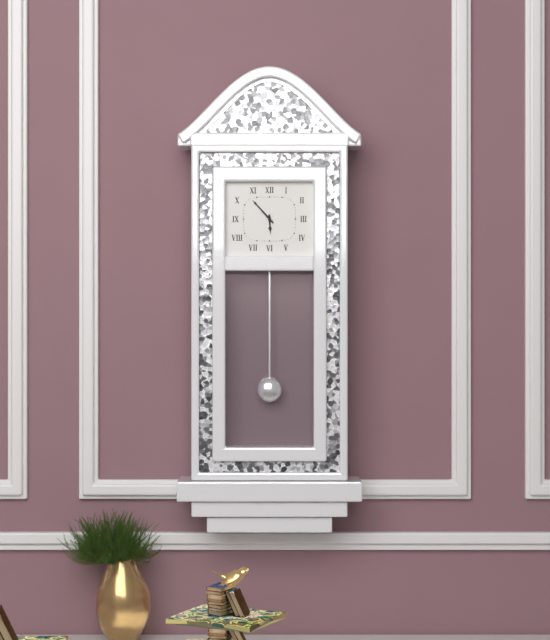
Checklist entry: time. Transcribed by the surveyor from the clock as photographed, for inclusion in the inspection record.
5:53
